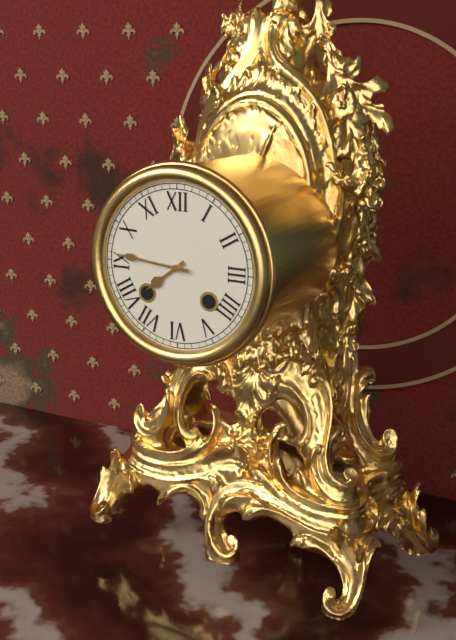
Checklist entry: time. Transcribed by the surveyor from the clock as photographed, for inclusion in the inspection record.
7:46
